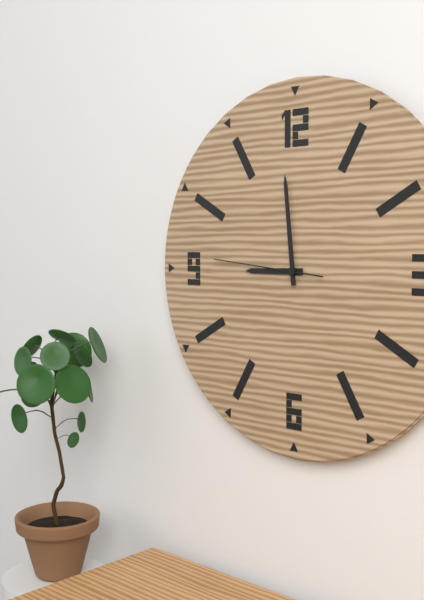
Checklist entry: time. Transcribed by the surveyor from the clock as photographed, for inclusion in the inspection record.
8:59:46
